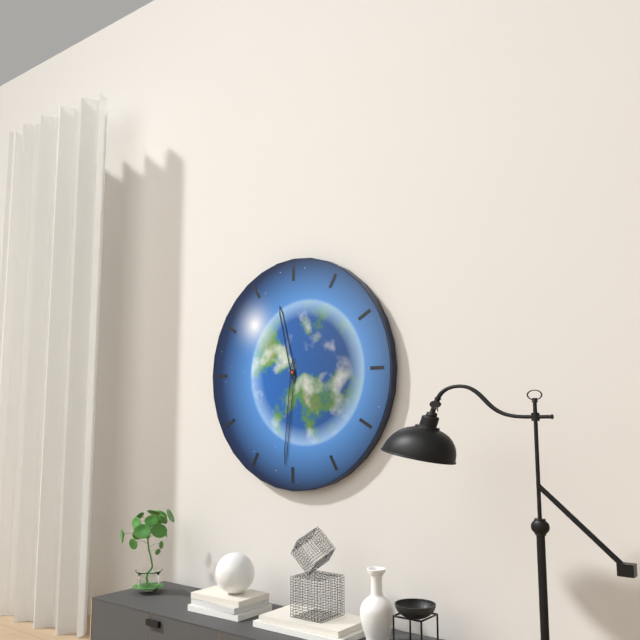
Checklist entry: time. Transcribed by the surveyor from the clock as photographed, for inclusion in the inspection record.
11:31
